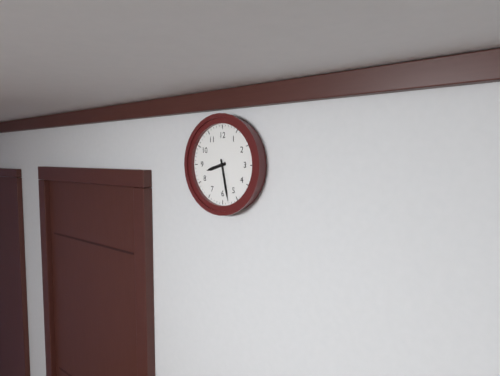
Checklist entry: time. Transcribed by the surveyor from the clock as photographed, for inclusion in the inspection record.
8:28
